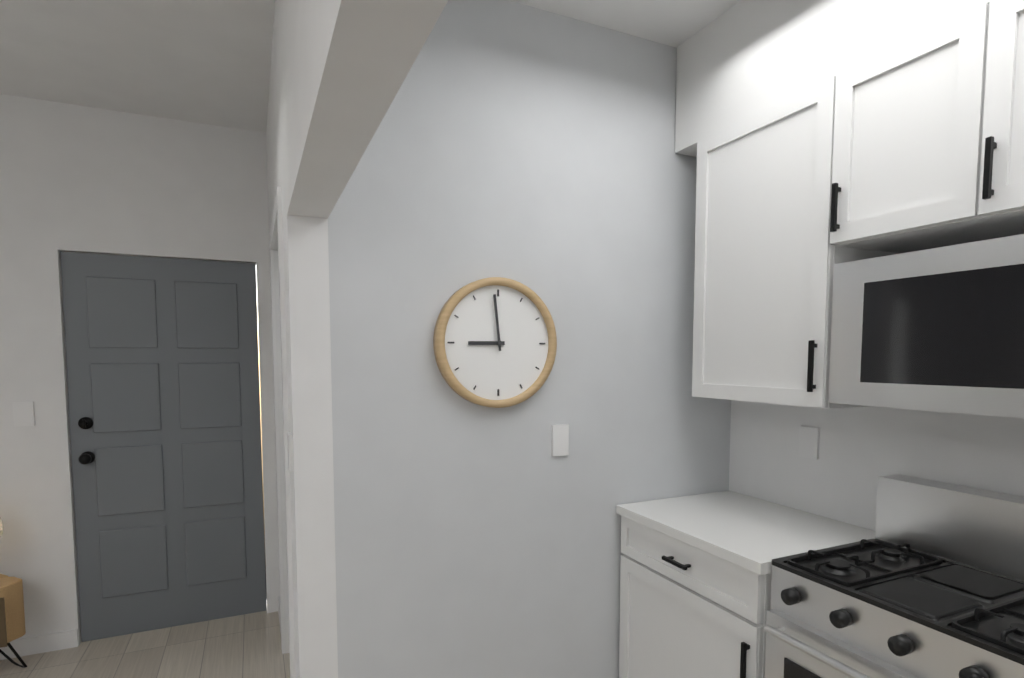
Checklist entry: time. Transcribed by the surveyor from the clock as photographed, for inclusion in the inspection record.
8:59
